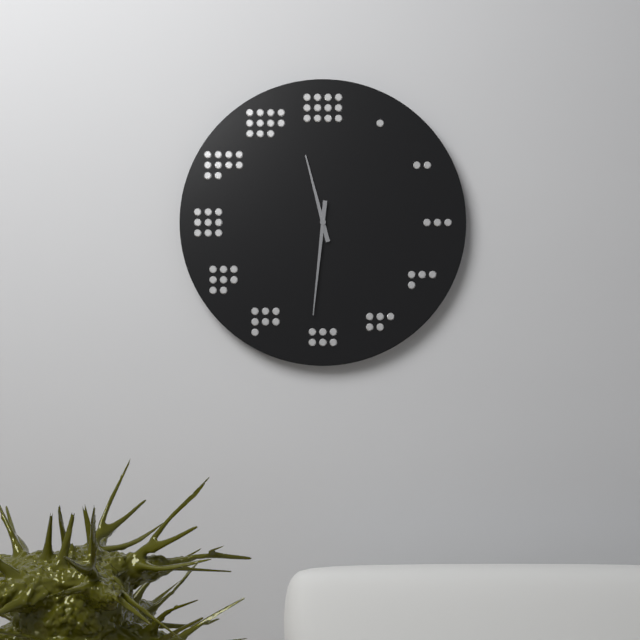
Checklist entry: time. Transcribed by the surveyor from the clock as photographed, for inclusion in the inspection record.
11:31
